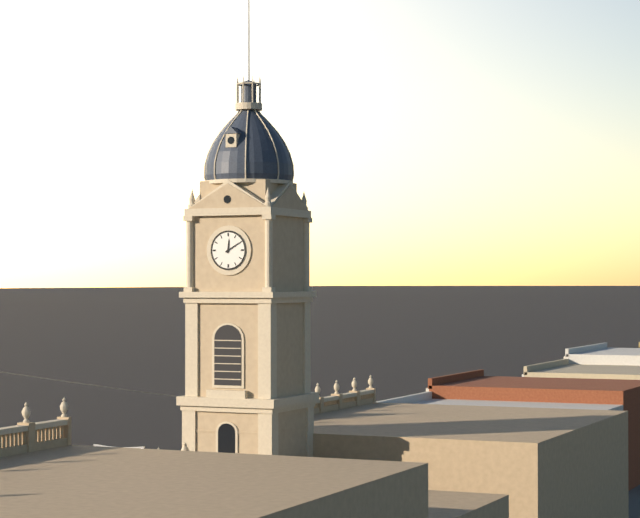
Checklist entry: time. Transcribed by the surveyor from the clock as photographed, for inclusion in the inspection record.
12:10
